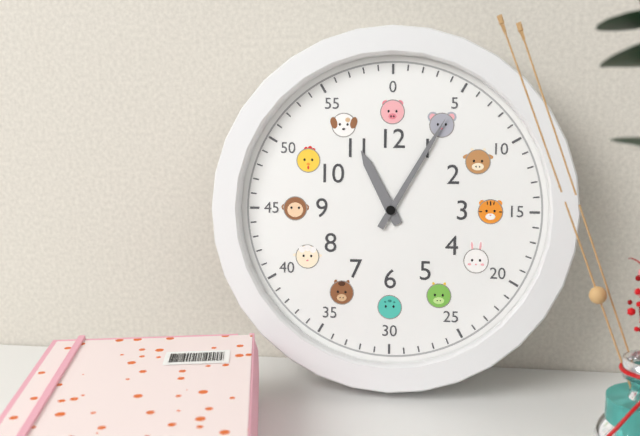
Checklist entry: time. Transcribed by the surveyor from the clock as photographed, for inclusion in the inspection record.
11:05
